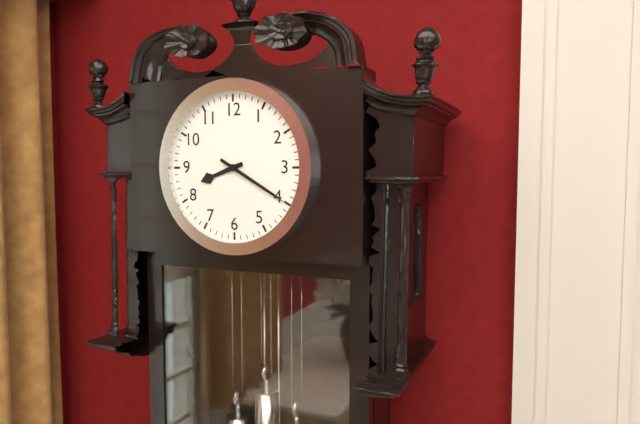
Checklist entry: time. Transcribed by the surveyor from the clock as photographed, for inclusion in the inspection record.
8:20
